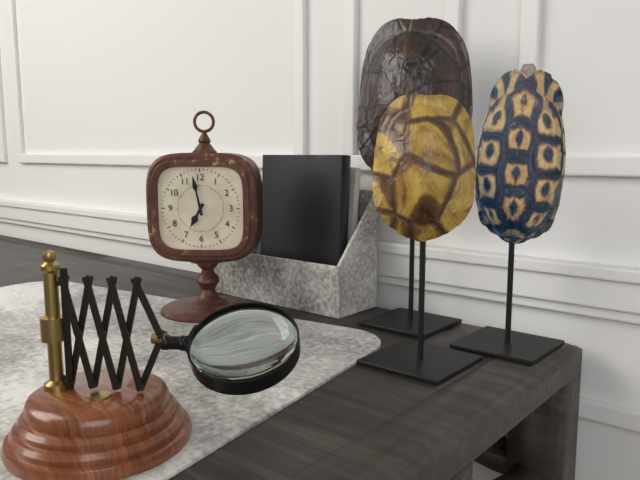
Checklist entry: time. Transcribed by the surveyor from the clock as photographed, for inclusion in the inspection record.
6:58
